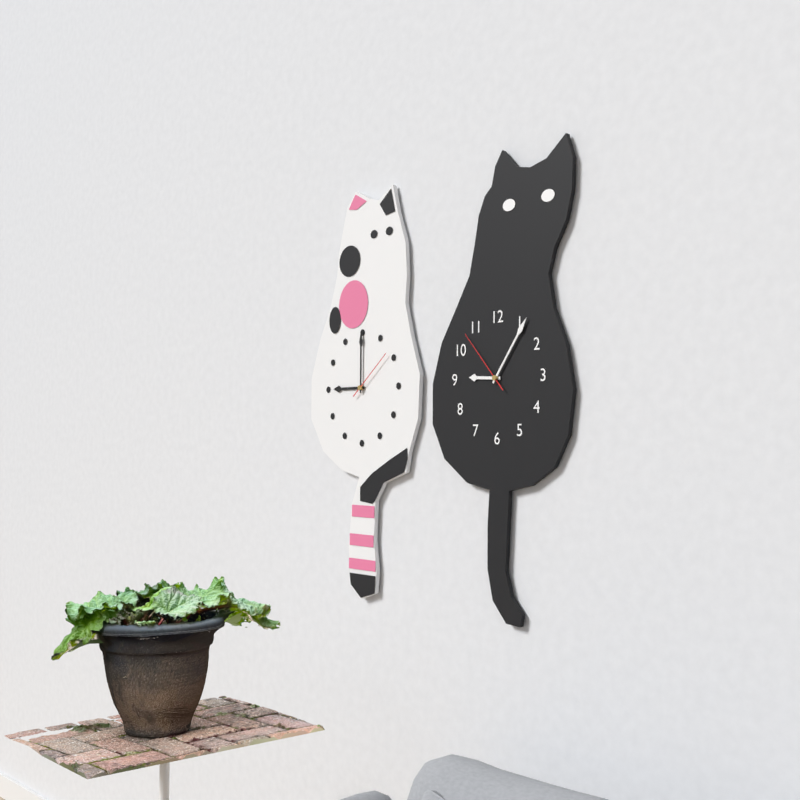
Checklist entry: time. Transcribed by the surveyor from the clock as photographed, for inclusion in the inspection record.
9:06:53
